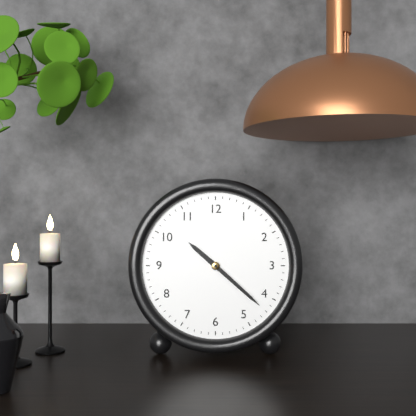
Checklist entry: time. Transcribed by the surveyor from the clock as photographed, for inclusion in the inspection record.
10:22
